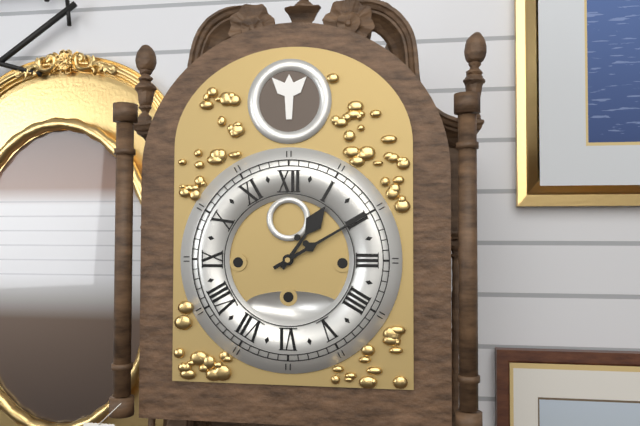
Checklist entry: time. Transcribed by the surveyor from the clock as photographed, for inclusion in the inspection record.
1:10
